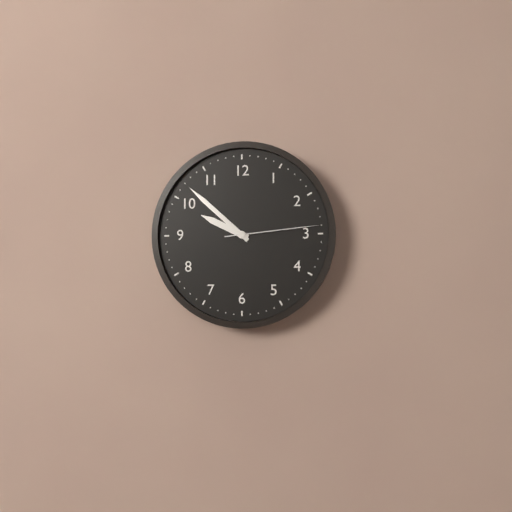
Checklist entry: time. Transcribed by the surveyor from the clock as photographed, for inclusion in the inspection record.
9:52:14
